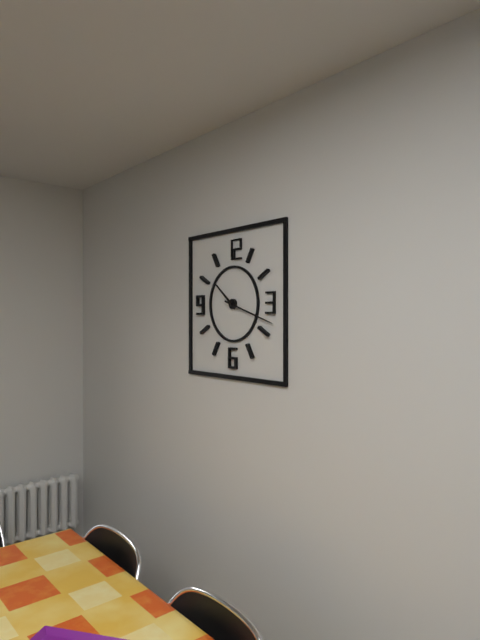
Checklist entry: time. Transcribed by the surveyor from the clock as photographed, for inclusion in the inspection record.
10:18
